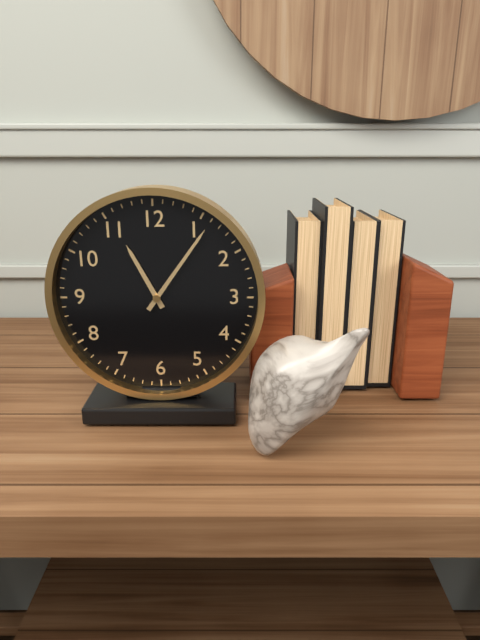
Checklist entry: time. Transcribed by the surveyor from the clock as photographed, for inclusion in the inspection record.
11:06
